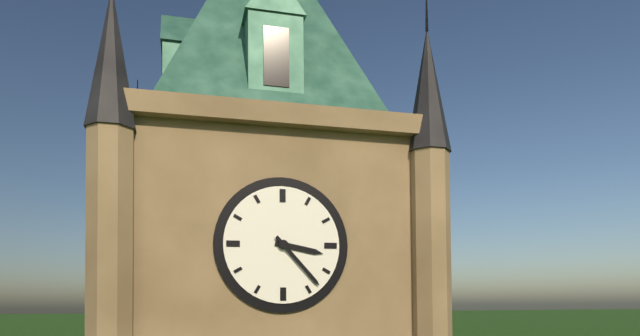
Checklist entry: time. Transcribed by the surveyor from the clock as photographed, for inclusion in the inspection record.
3:23
